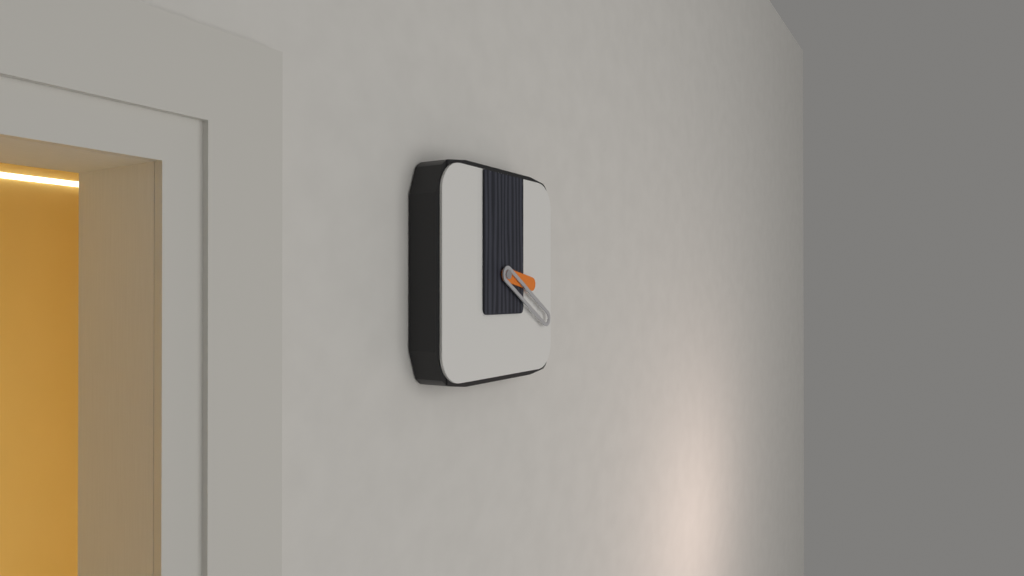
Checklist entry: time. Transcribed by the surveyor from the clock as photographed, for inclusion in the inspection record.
3:20
